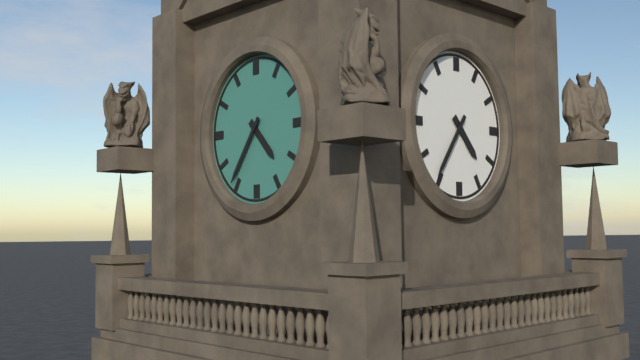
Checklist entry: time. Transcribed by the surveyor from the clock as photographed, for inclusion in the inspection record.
4:36
